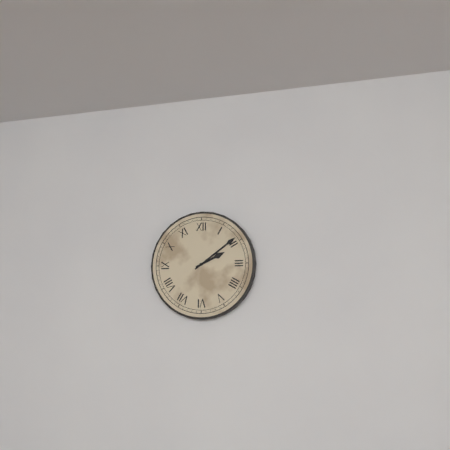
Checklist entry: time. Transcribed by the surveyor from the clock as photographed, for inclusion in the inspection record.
2:09
